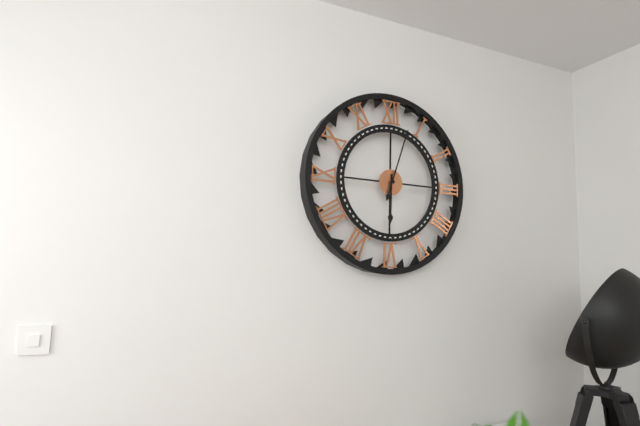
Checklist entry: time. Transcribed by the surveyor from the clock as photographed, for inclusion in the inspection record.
6:03
